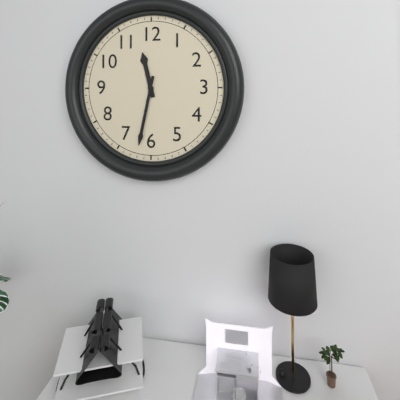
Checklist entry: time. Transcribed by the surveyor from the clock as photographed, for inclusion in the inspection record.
11:32
